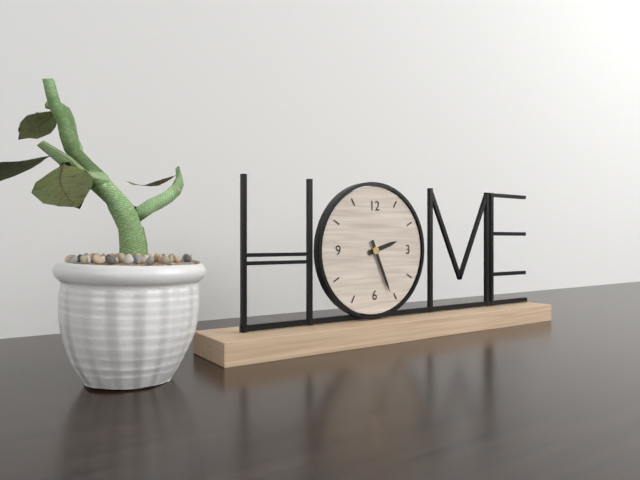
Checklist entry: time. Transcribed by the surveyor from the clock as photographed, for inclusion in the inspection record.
2:26
